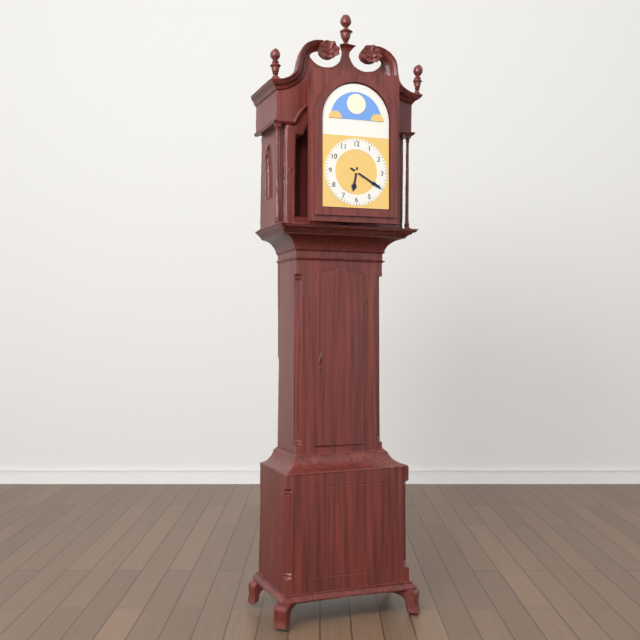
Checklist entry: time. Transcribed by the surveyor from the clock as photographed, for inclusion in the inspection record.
6:20
